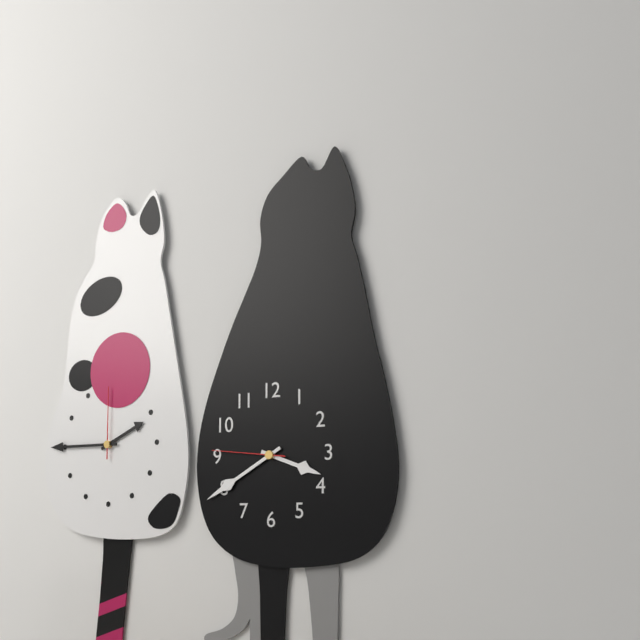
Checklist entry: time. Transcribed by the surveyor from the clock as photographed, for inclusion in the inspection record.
3:40:46
